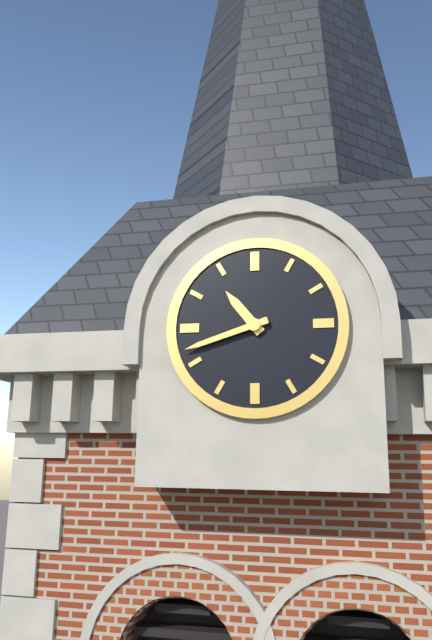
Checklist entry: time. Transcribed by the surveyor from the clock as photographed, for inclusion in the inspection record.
10:42
